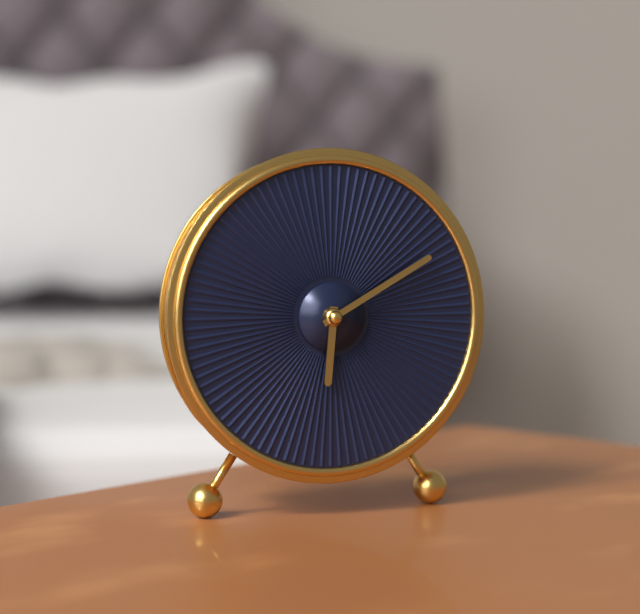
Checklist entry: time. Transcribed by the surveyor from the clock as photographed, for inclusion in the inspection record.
6:10
